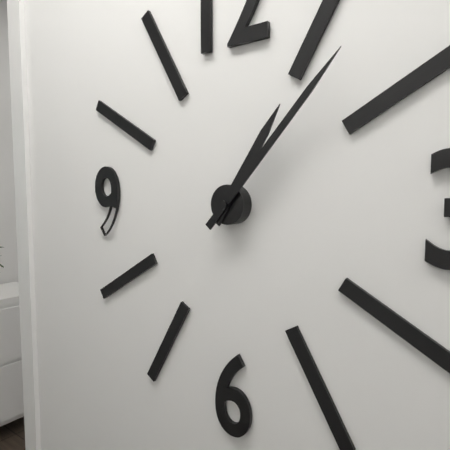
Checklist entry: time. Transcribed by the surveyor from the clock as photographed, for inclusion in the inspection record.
1:07
